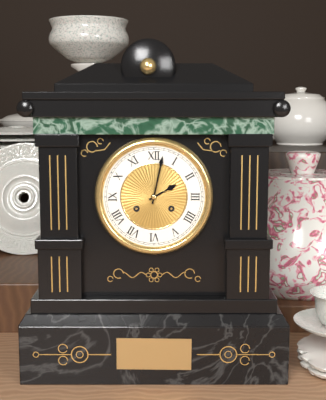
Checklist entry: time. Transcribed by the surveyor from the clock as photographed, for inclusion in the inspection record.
2:02
